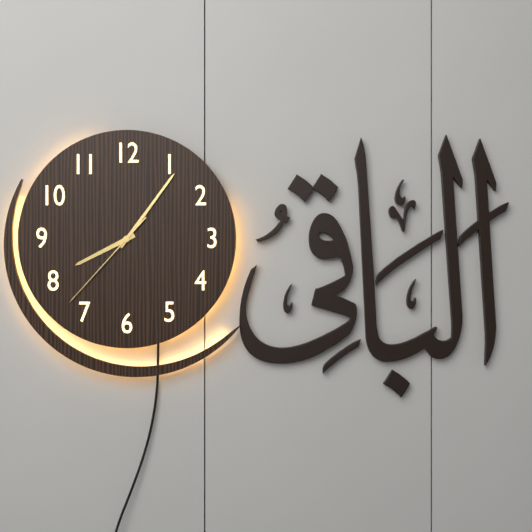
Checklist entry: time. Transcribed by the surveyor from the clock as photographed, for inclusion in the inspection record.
8:06:37
